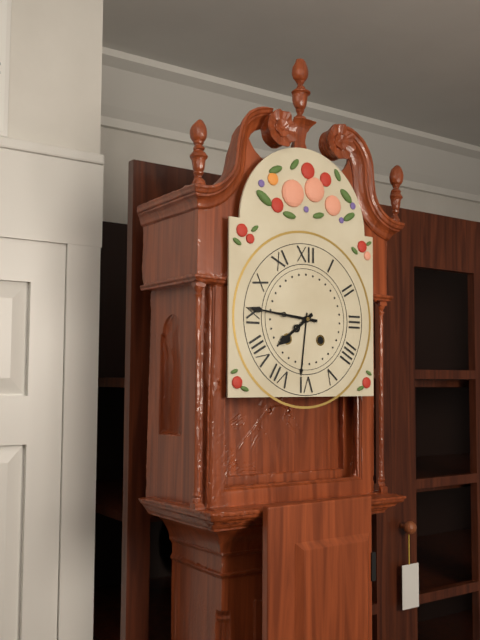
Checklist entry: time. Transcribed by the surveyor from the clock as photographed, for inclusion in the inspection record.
7:46
